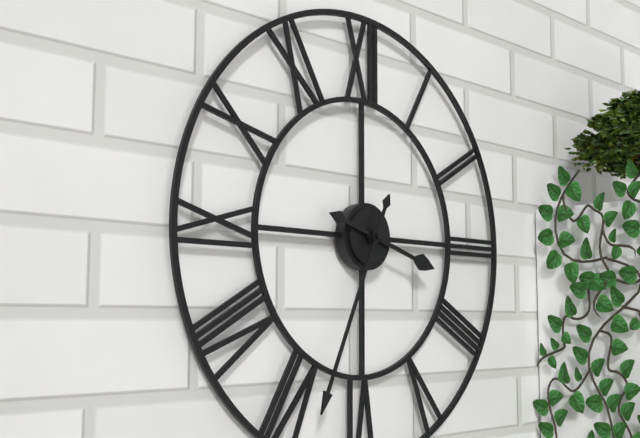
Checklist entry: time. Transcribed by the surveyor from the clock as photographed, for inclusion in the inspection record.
3:34
